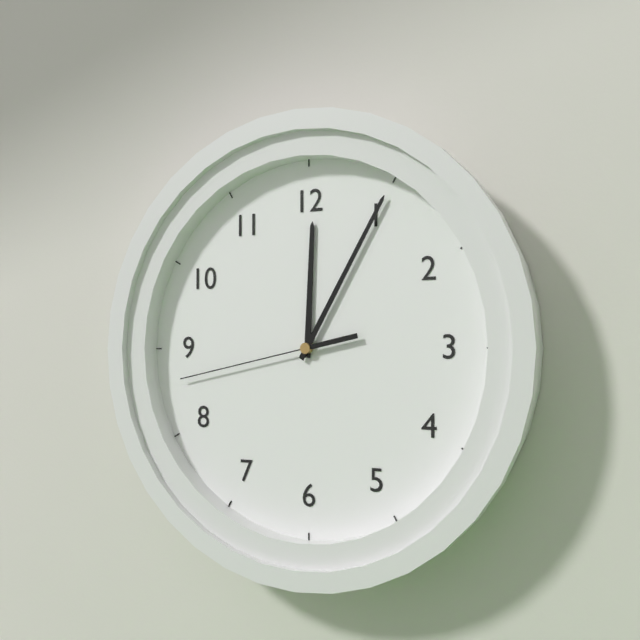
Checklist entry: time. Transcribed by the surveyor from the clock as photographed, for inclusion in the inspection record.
12:05:43
